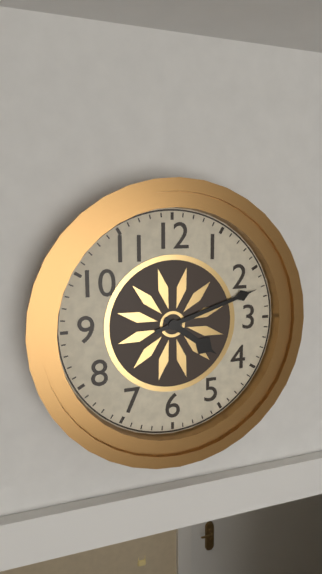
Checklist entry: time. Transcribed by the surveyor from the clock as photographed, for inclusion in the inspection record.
4:12
